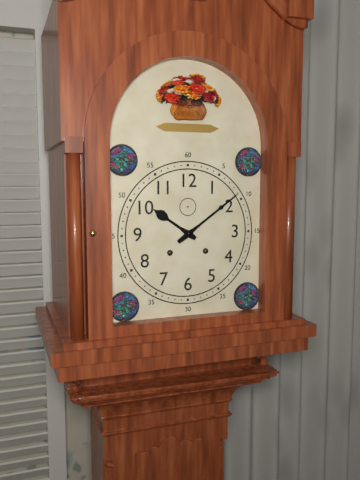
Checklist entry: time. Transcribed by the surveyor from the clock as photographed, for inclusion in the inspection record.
10:09
